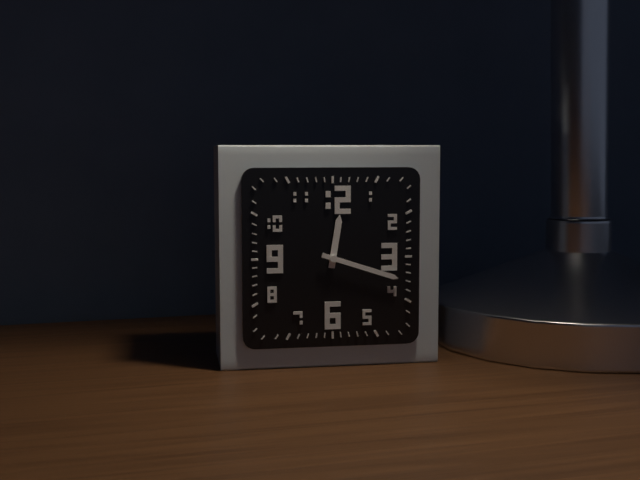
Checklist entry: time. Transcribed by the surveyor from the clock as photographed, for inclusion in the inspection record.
12:18
